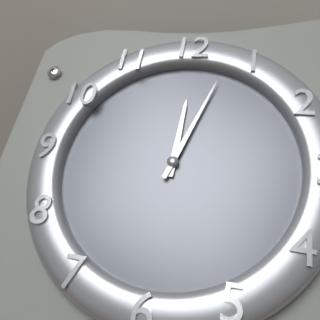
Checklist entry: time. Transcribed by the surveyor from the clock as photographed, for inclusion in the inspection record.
12:03
